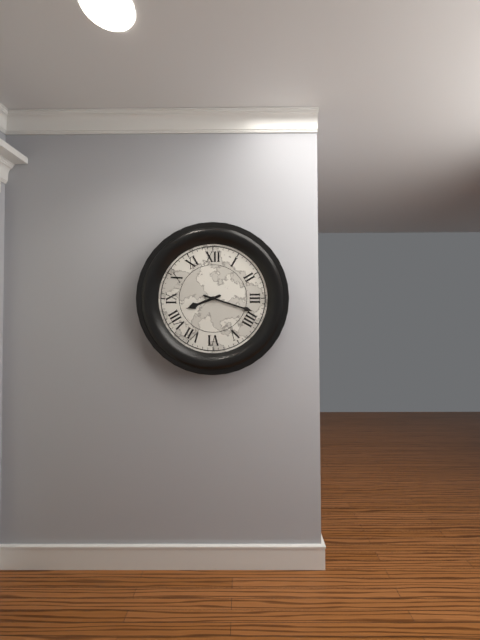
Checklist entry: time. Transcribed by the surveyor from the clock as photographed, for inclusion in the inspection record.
8:18
